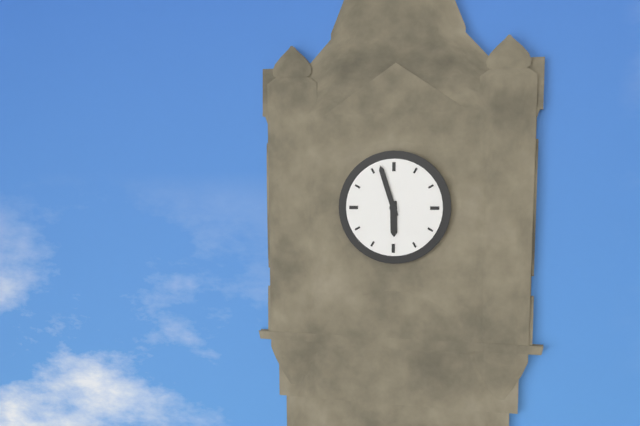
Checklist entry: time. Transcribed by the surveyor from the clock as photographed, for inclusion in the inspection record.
5:57
